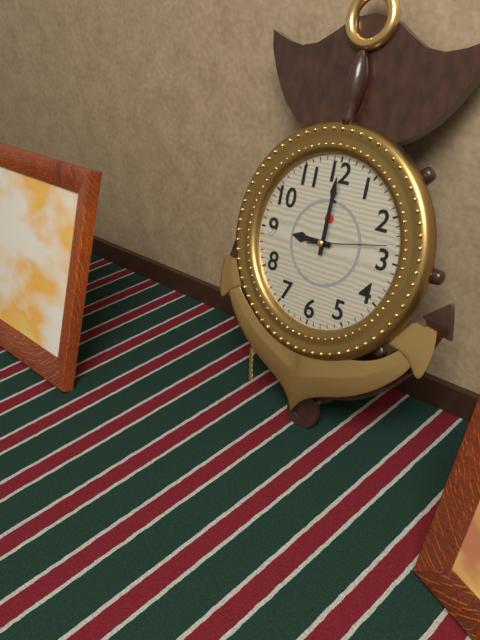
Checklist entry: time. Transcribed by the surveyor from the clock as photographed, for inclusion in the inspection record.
9:00:13
